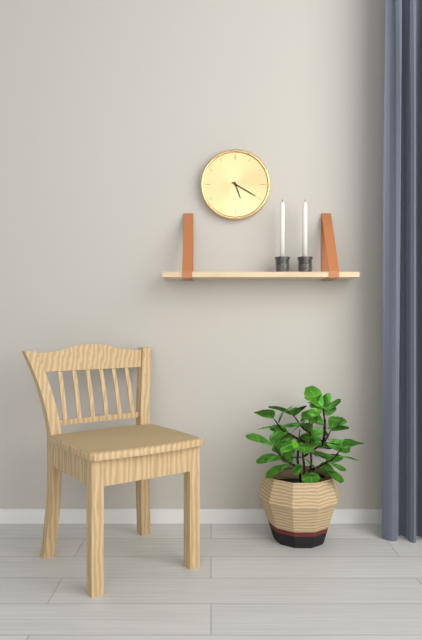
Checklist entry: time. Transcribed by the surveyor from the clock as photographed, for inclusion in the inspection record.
5:20
